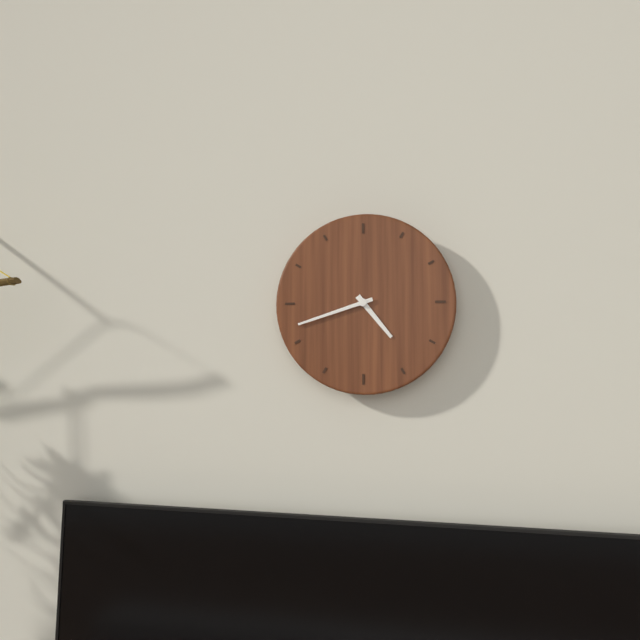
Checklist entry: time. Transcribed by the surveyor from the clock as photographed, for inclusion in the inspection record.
4:42
